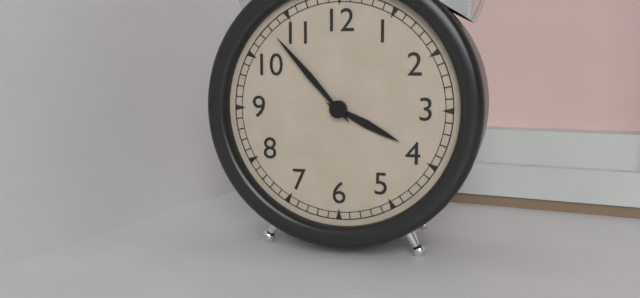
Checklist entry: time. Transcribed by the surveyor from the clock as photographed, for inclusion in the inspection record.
3:53
